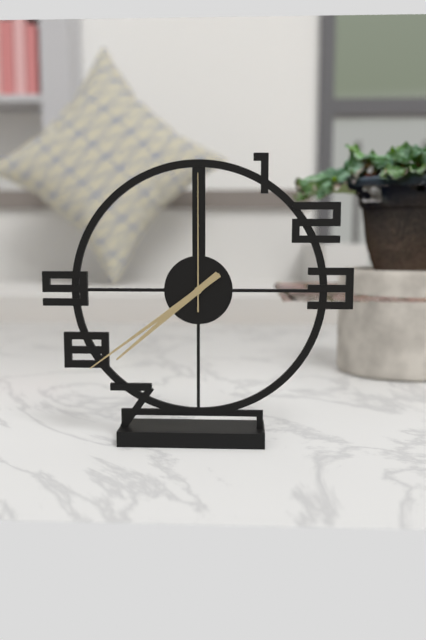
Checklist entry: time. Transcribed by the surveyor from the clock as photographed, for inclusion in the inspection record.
7:39:00
